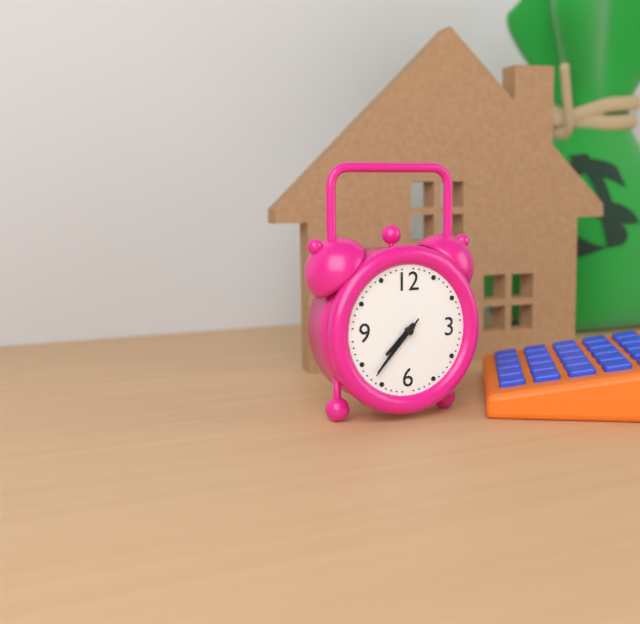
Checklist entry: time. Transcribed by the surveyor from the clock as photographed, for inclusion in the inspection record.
7:37:37
